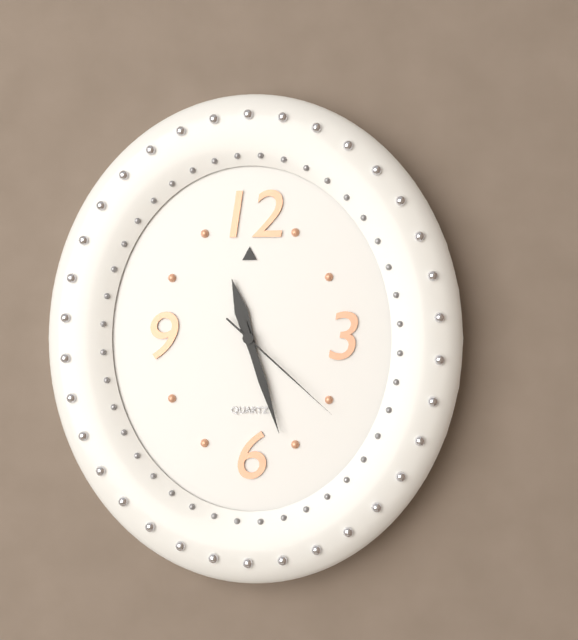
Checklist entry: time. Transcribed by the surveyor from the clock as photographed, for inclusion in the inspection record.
11:27:22
